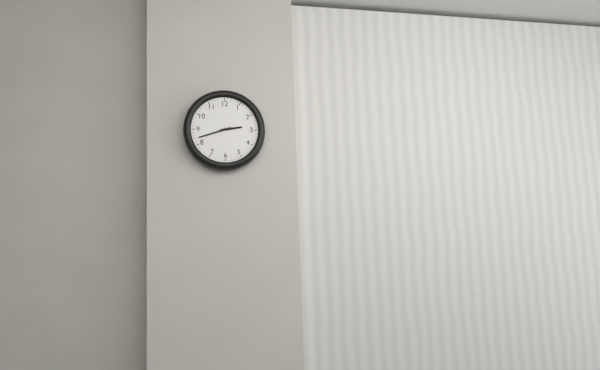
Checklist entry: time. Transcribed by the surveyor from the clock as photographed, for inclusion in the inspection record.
2:42
